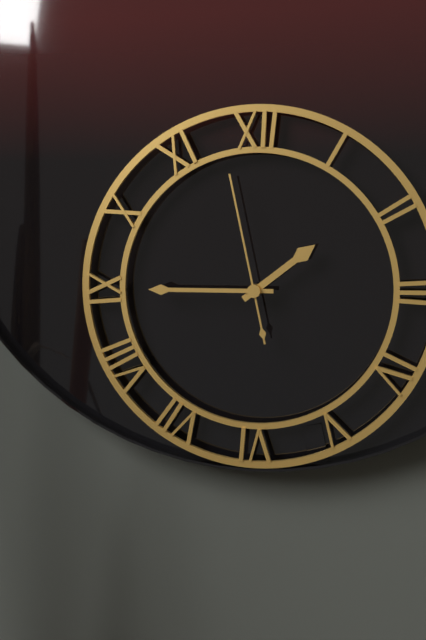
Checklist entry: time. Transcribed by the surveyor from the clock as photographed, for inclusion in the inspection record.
1:45:58
